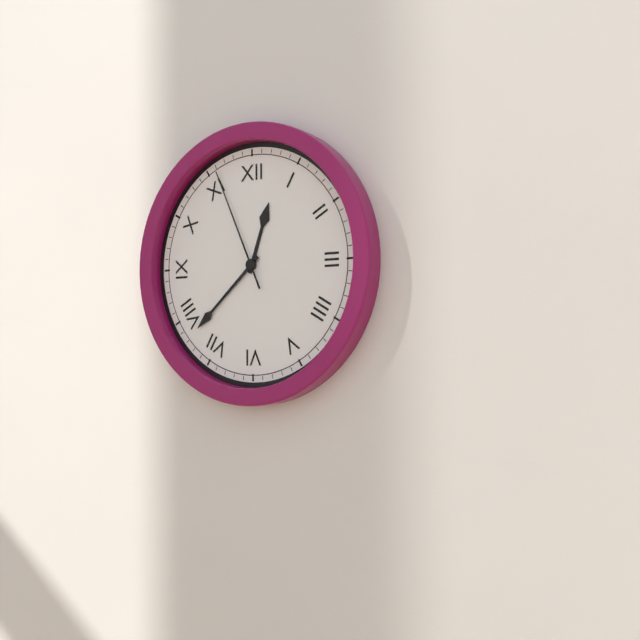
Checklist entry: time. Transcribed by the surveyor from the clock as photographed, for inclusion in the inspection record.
12:38:56
